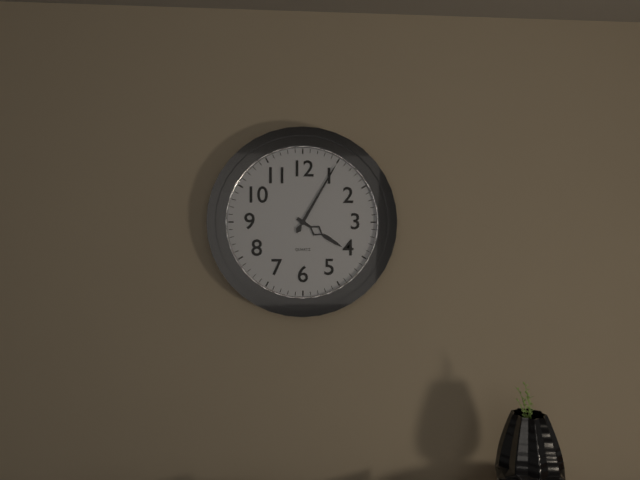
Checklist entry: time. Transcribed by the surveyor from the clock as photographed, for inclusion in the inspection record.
4:05
